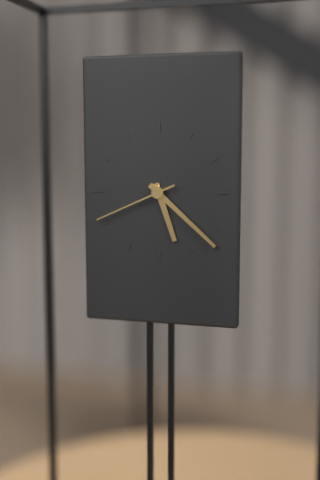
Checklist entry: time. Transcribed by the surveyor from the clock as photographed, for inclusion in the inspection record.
5:22:41
